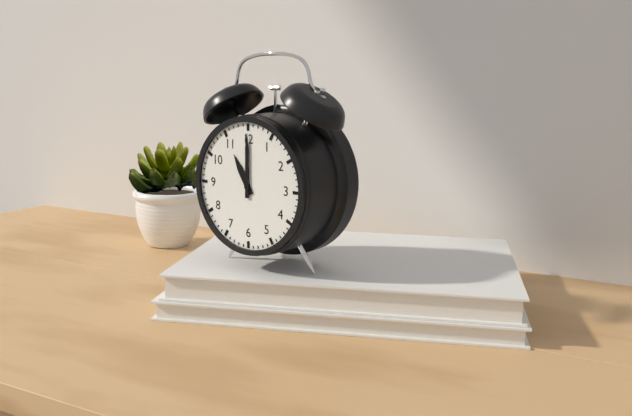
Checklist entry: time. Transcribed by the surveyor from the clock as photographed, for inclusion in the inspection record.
11:00
